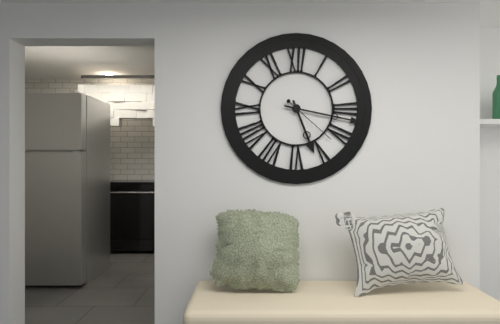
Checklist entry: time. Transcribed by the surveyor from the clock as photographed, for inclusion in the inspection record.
5:17:22
